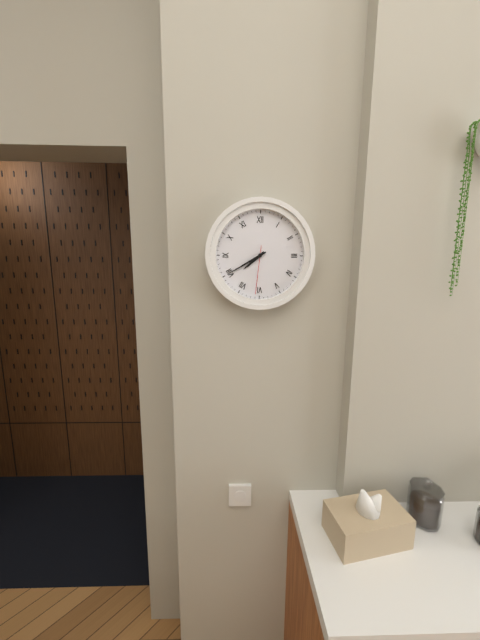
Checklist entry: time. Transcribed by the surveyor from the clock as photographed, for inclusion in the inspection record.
7:40
